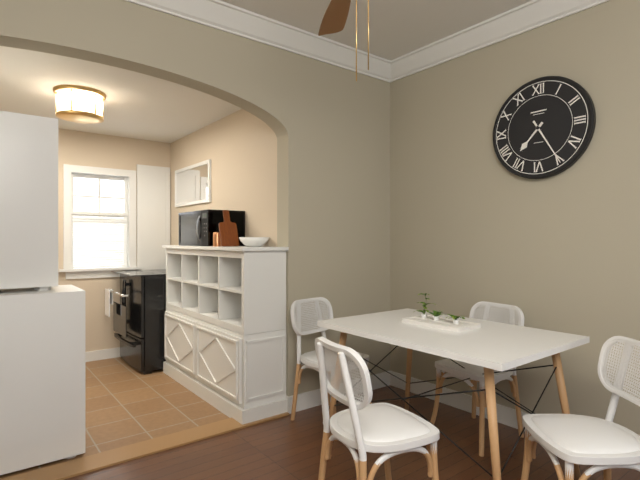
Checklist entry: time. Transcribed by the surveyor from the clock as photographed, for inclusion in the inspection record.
7:25
